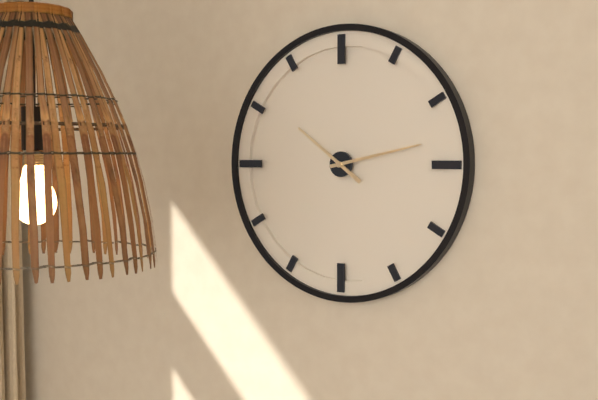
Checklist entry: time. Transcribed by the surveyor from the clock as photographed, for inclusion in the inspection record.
10:13
